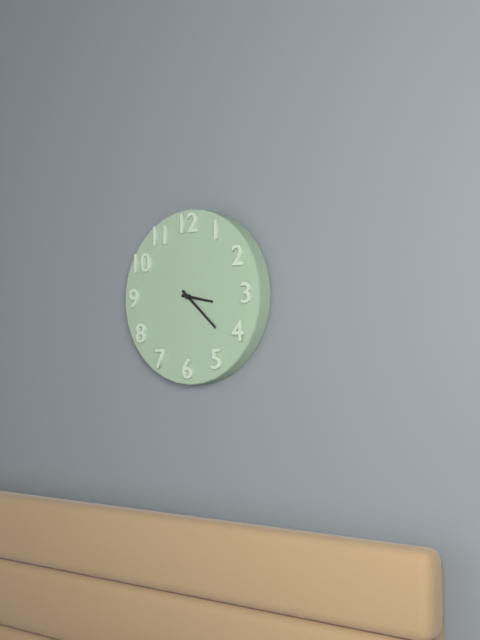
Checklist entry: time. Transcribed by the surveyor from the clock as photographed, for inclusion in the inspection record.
3:22
